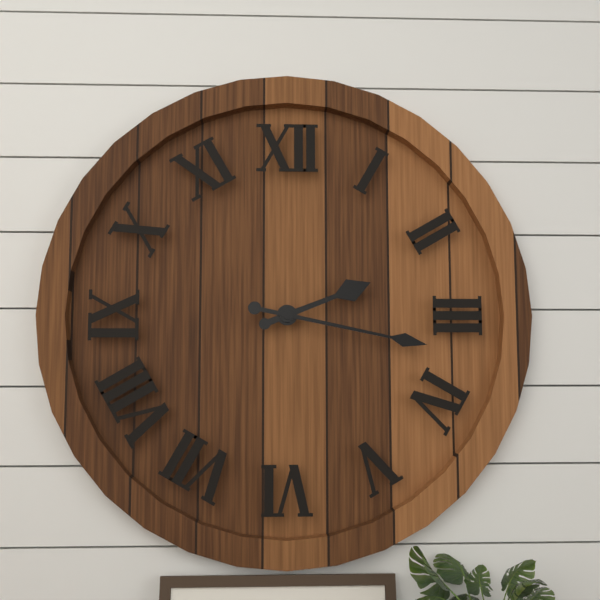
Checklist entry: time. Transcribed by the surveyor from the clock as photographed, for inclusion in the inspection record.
2:17
